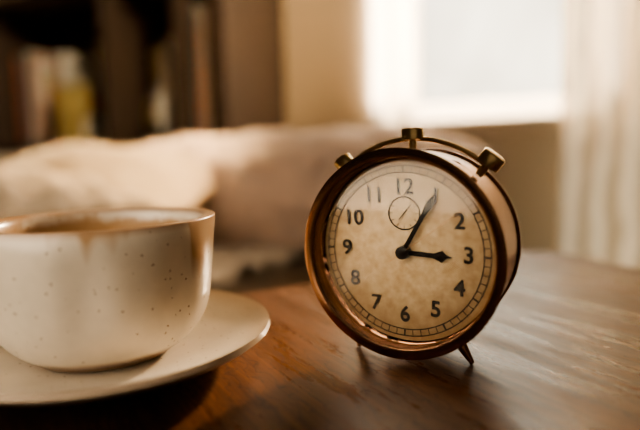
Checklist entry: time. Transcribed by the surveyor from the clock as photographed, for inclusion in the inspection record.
3:05:09
